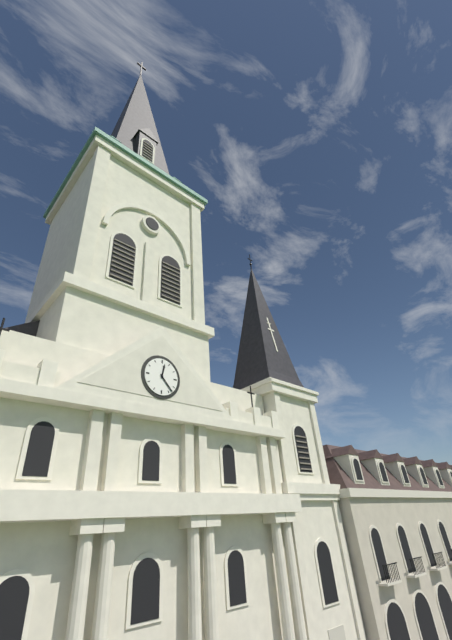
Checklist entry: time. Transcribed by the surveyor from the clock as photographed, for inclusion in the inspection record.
12:23
